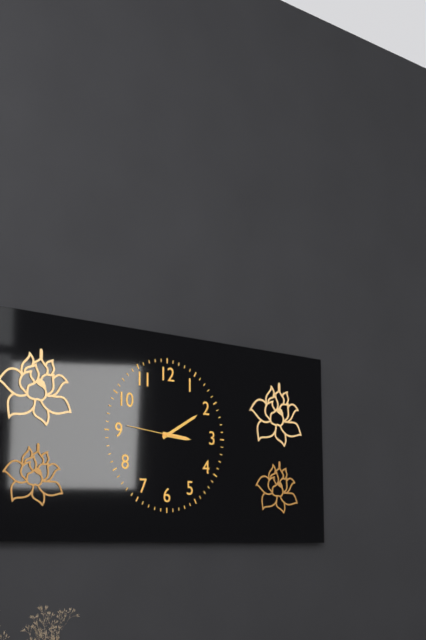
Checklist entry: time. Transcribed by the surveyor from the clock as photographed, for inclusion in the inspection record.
3:10:46
